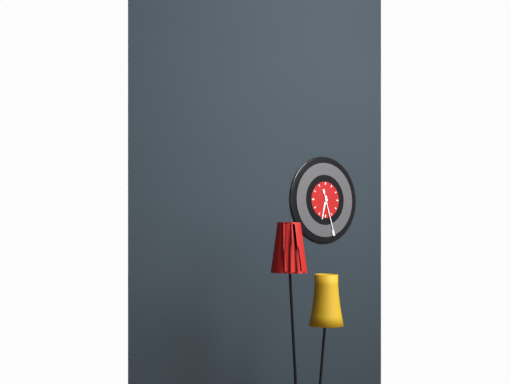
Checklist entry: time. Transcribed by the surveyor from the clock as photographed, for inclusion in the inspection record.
6:27
